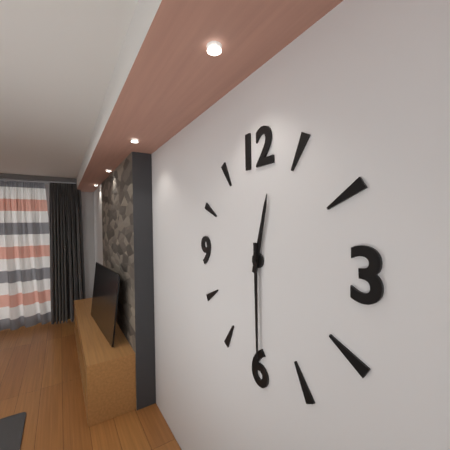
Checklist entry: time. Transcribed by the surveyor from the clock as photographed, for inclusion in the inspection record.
12:30
